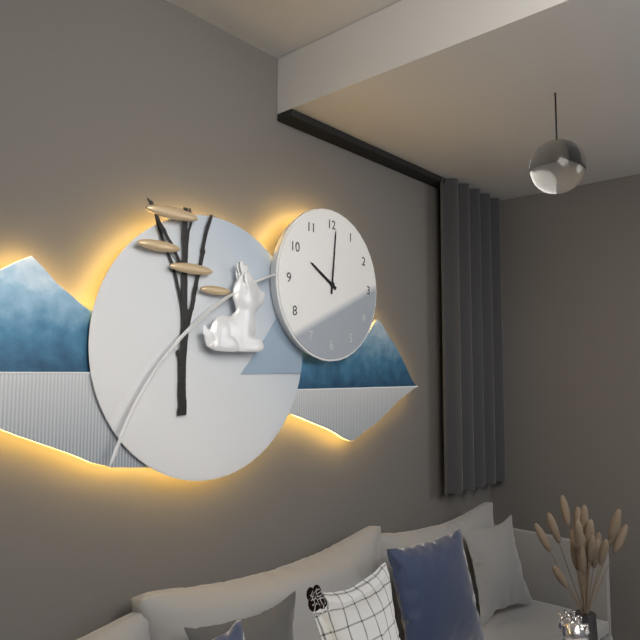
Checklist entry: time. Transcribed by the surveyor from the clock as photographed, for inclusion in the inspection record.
10:01
